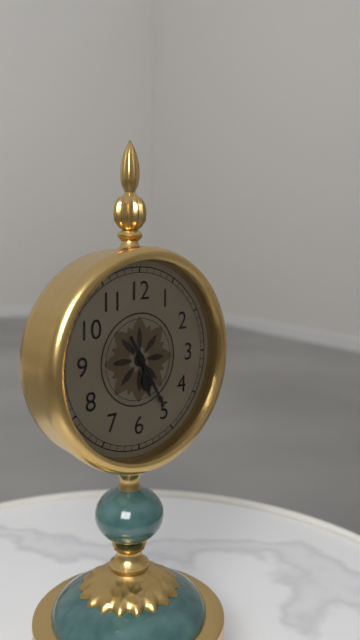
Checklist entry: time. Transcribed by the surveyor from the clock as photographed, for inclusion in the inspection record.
5:25
